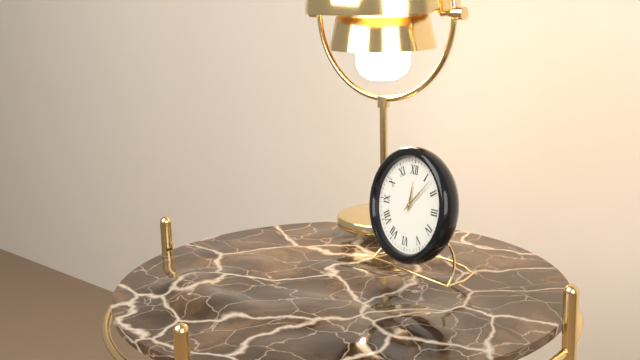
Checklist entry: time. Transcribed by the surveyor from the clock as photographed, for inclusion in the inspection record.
12:07
